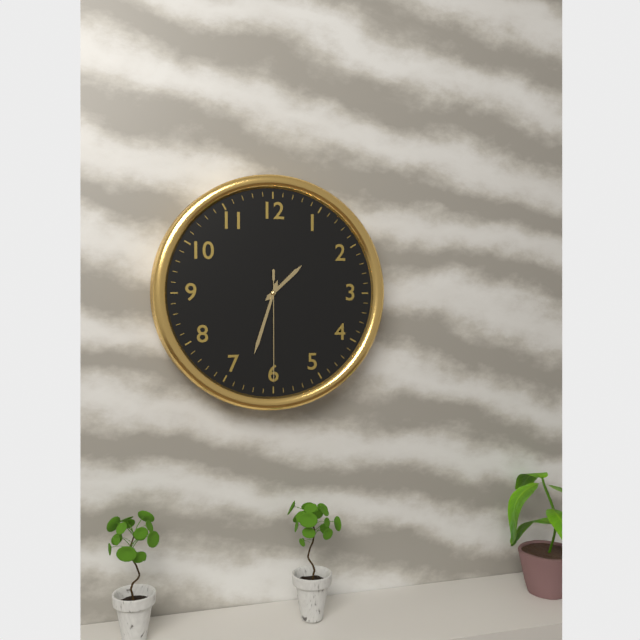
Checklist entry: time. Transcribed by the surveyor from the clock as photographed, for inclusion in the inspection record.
1:33:30
